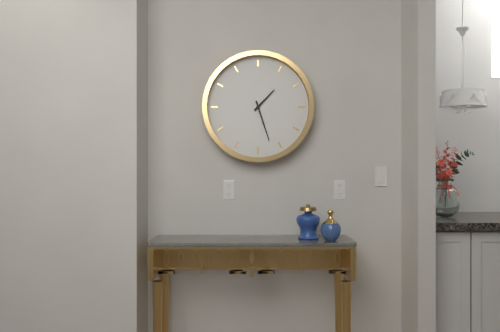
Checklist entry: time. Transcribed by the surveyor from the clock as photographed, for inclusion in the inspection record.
1:27
